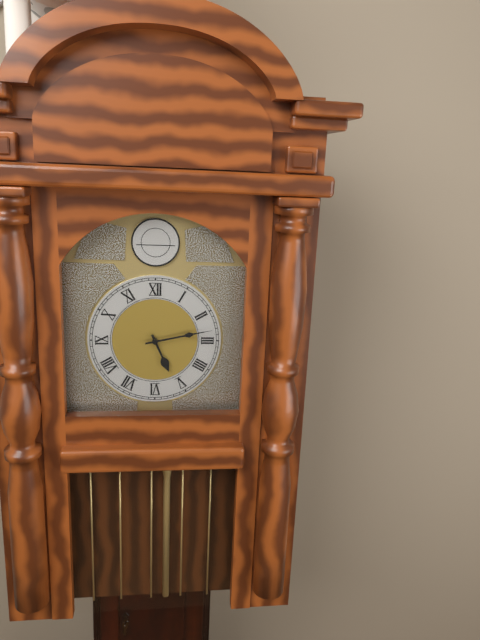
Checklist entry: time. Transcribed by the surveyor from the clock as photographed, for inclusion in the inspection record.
5:13
